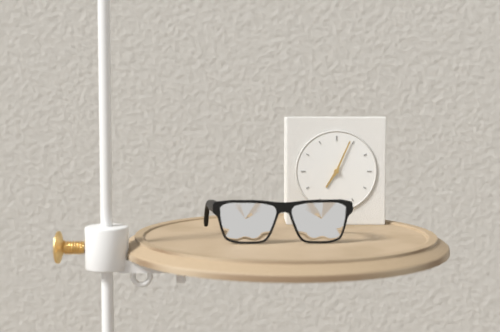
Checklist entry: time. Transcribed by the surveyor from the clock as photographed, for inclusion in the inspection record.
7:04
